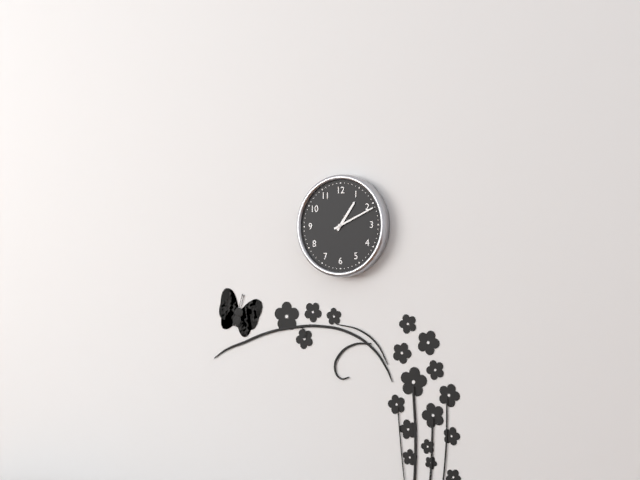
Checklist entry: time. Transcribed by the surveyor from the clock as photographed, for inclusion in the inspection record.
1:11
